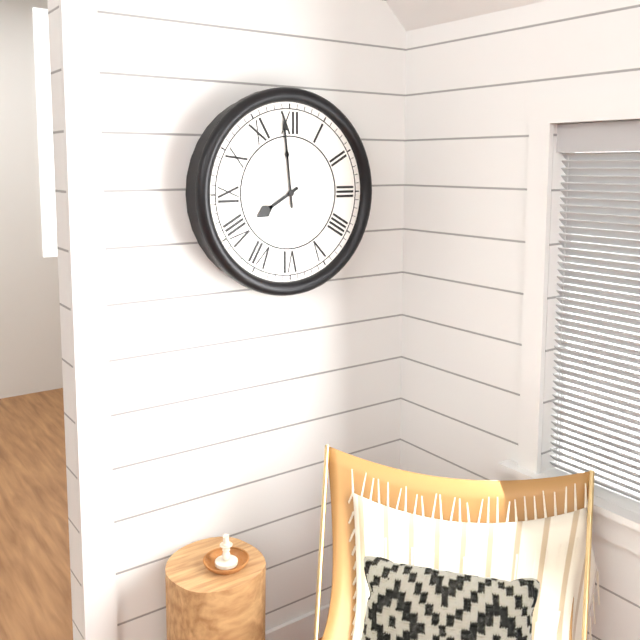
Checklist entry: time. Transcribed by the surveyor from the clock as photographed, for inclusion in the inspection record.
7:59
